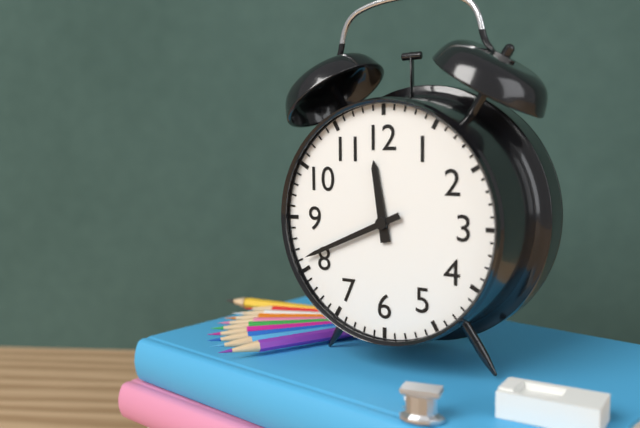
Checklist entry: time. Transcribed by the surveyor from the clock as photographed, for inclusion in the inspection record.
11:41
